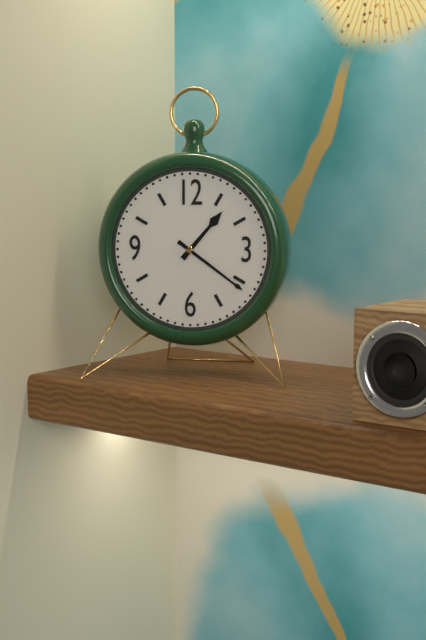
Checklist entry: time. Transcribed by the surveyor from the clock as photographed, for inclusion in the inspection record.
1:21
